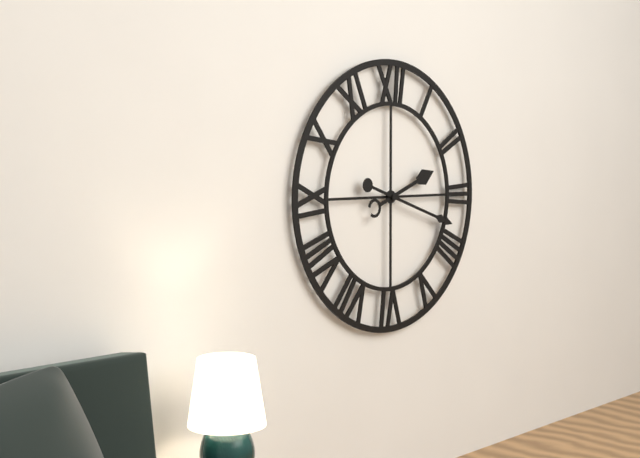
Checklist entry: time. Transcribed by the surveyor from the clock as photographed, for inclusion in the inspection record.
2:18
